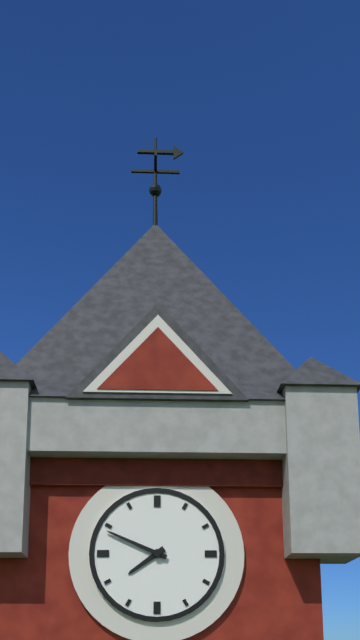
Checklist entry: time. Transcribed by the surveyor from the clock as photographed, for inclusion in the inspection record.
7:49
